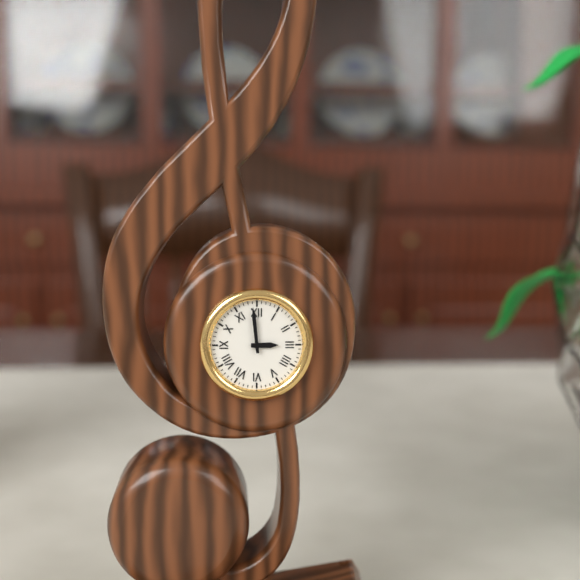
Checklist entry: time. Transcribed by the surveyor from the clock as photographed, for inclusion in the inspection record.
2:59
